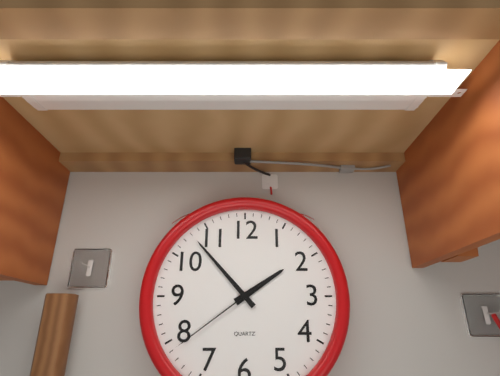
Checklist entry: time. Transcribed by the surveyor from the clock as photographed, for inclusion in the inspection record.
1:53:39
